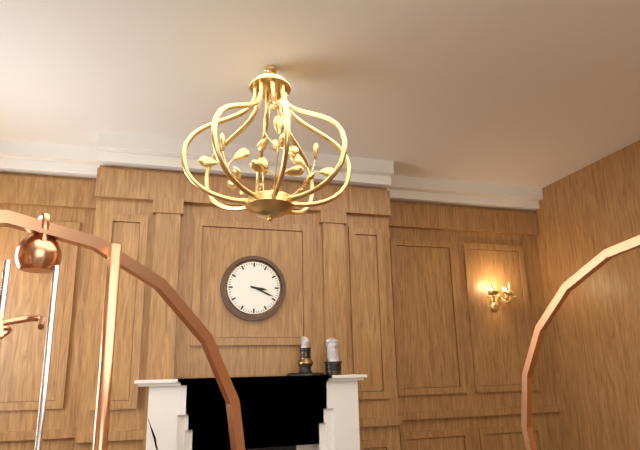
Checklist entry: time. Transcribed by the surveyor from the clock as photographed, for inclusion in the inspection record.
3:19
